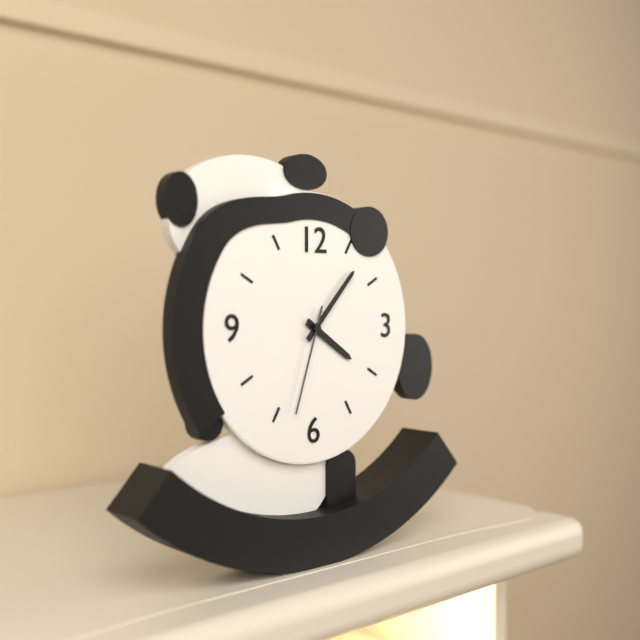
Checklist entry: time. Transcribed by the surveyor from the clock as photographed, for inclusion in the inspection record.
4:07:33
